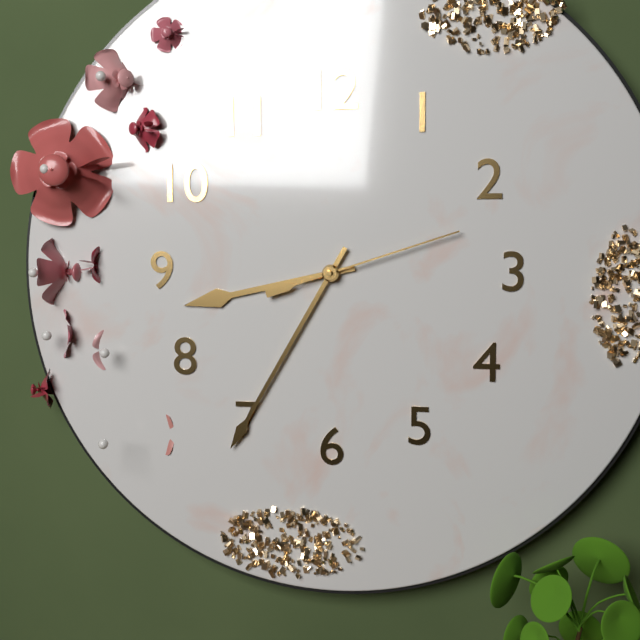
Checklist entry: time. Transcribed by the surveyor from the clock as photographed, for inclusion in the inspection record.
8:35:12
